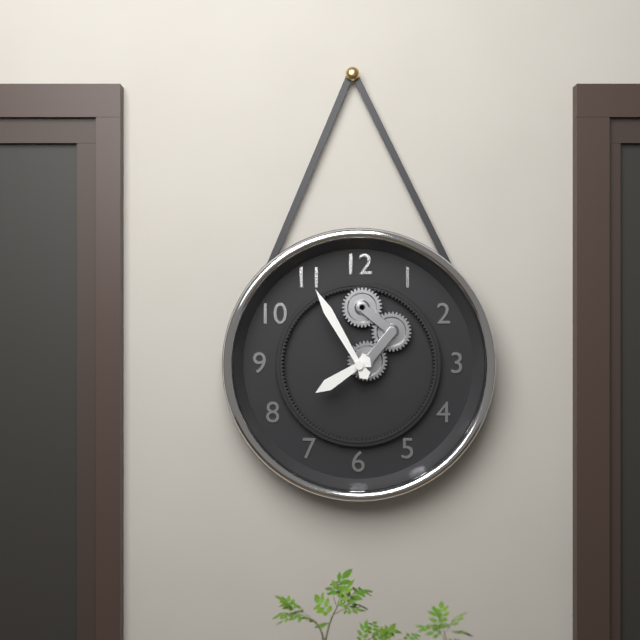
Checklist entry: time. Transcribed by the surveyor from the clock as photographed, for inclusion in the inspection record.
7:55
